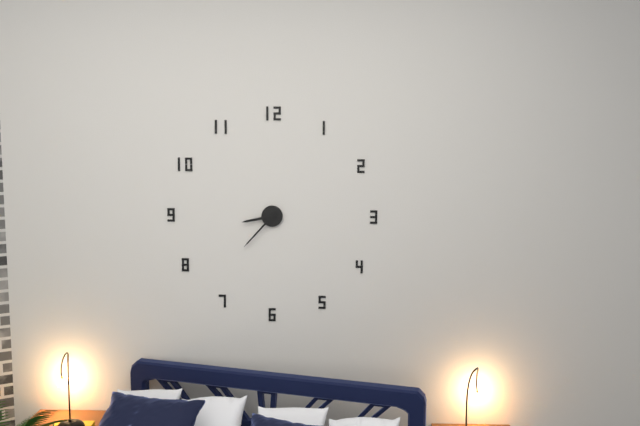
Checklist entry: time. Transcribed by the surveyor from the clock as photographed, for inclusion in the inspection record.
8:37
